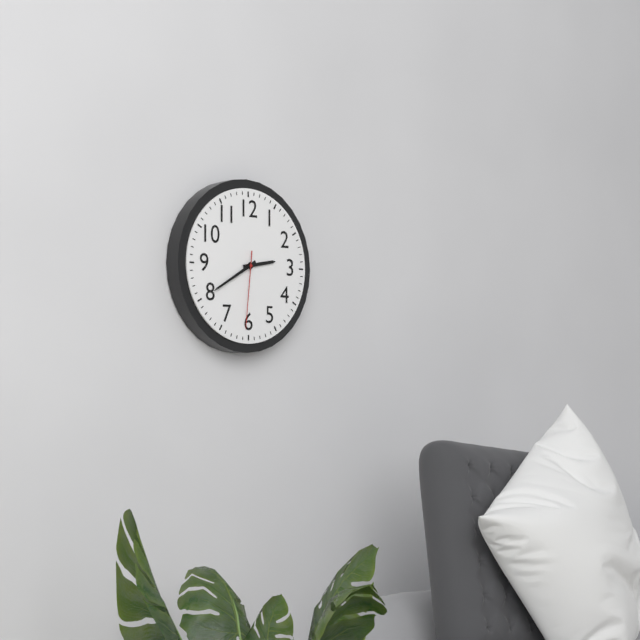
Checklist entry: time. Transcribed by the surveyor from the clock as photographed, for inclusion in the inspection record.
2:40:31
